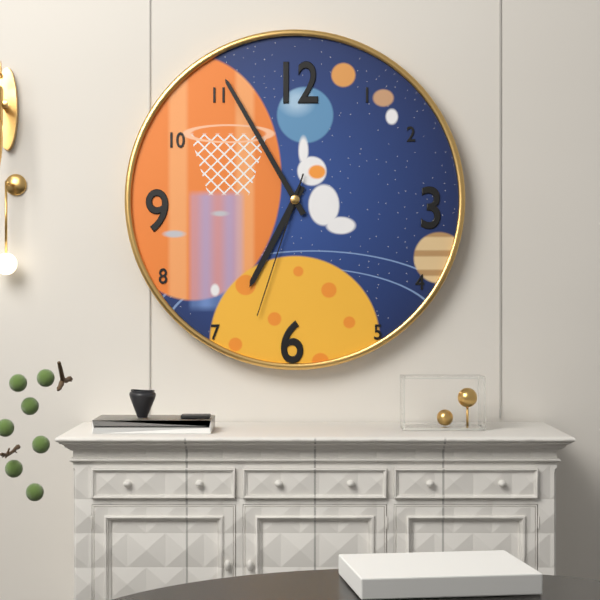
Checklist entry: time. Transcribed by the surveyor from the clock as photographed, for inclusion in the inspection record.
6:55:33
